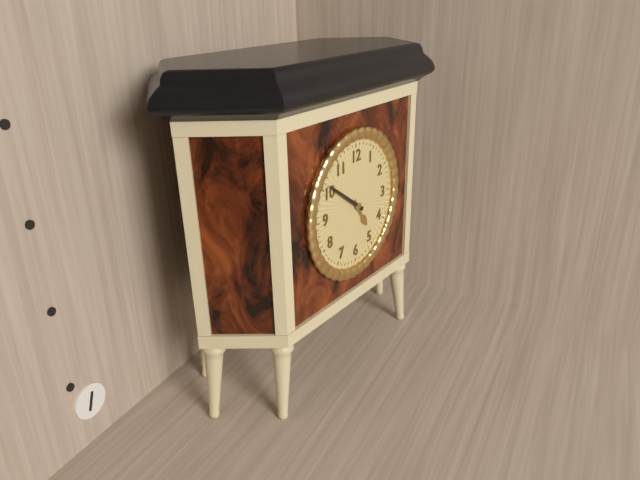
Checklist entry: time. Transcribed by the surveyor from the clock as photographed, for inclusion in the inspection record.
4:51
